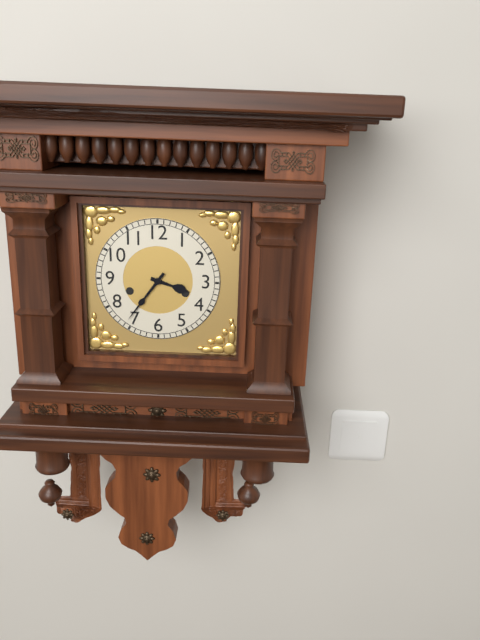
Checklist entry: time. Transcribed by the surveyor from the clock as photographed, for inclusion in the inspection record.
3:36
